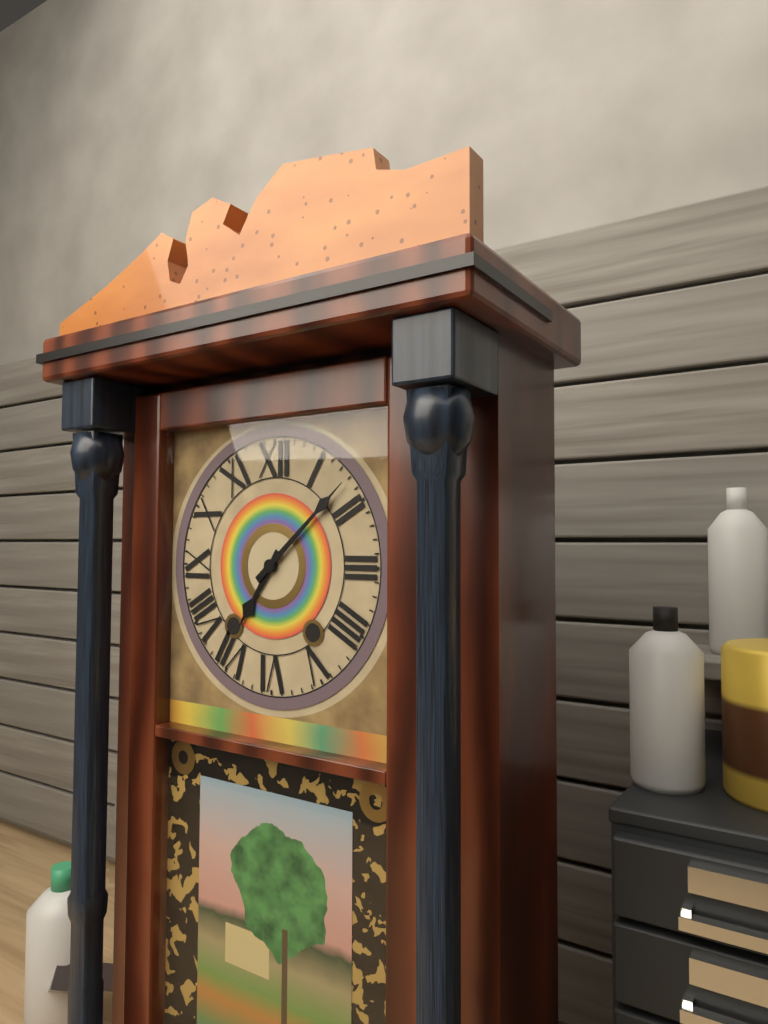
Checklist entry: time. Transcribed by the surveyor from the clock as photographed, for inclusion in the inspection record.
7:08
